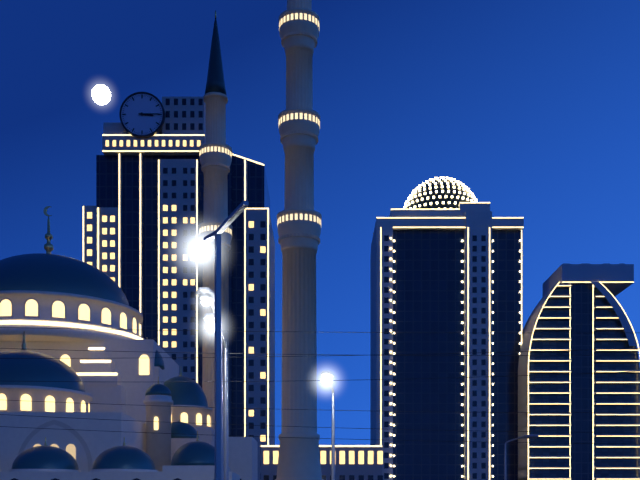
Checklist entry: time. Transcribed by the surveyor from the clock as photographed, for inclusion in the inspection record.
3:15
